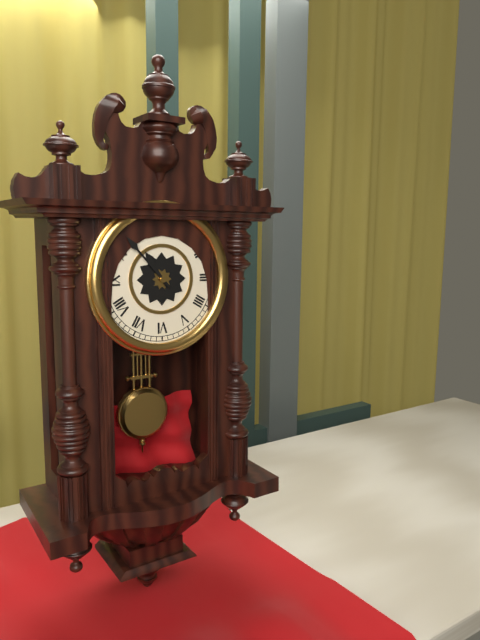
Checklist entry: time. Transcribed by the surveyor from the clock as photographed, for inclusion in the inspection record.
10:53
